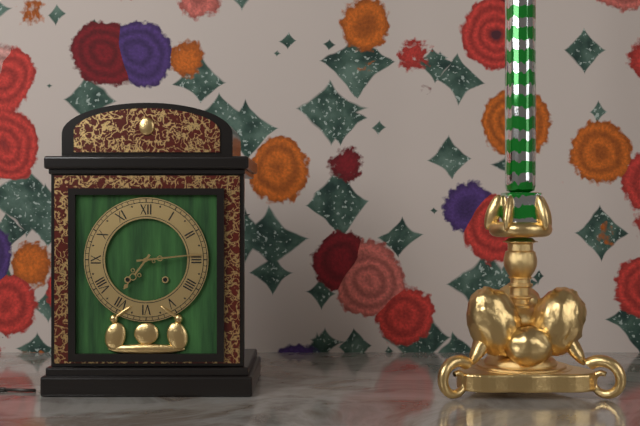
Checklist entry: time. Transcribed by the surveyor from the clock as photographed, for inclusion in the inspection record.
7:14
